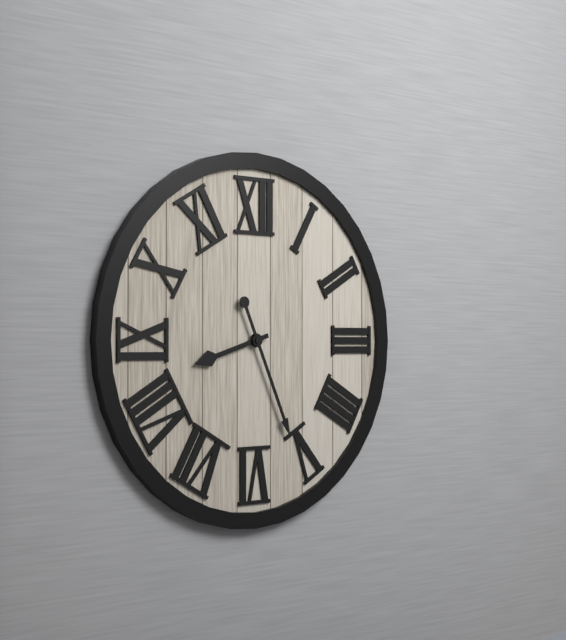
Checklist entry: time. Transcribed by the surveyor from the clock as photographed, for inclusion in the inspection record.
8:26
